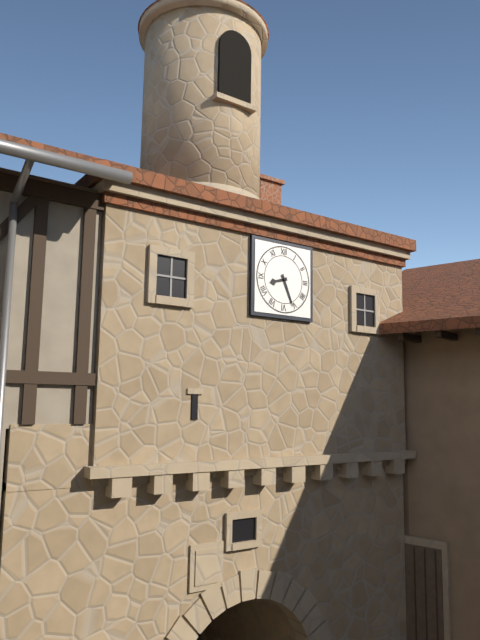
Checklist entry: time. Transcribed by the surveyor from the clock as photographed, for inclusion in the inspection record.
8:26
